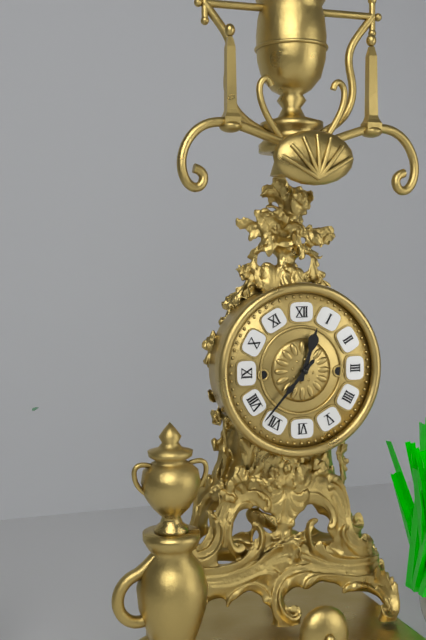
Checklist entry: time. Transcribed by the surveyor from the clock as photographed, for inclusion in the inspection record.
12:37
